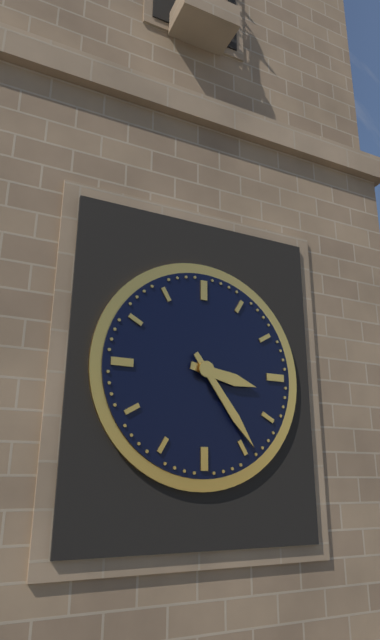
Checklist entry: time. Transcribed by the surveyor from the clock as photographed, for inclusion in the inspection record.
3:24
